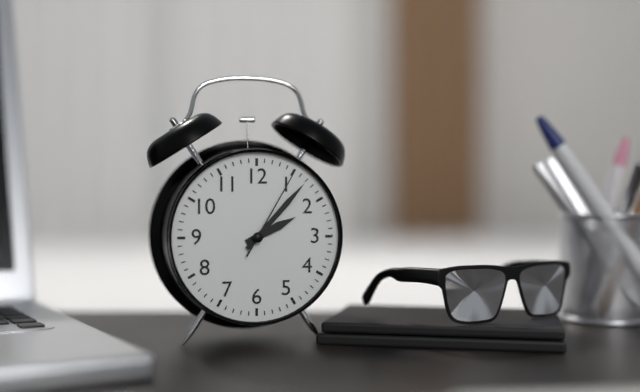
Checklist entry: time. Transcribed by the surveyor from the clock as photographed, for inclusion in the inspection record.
2:07:05
